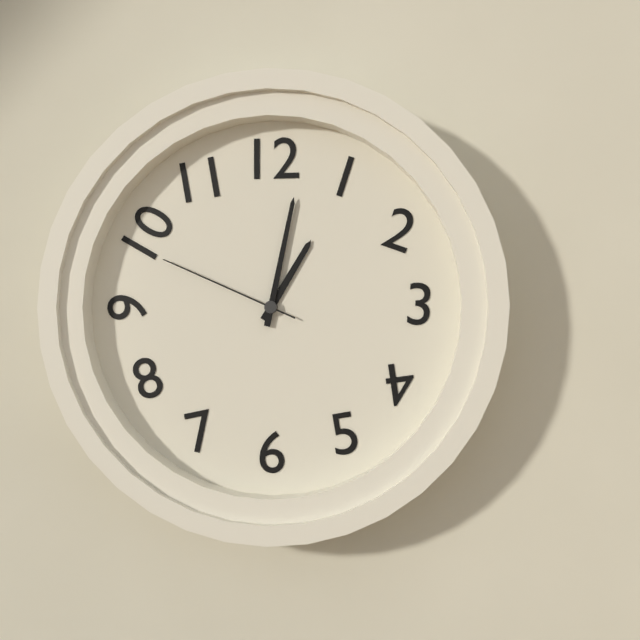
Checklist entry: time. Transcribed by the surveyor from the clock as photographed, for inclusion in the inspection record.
1:02:49
